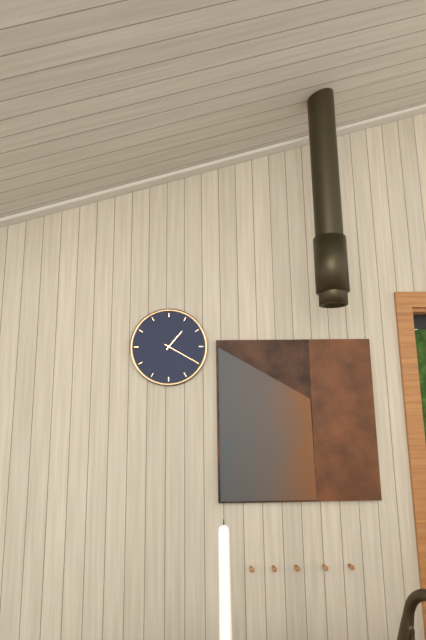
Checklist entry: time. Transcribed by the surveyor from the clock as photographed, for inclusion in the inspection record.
1:20
